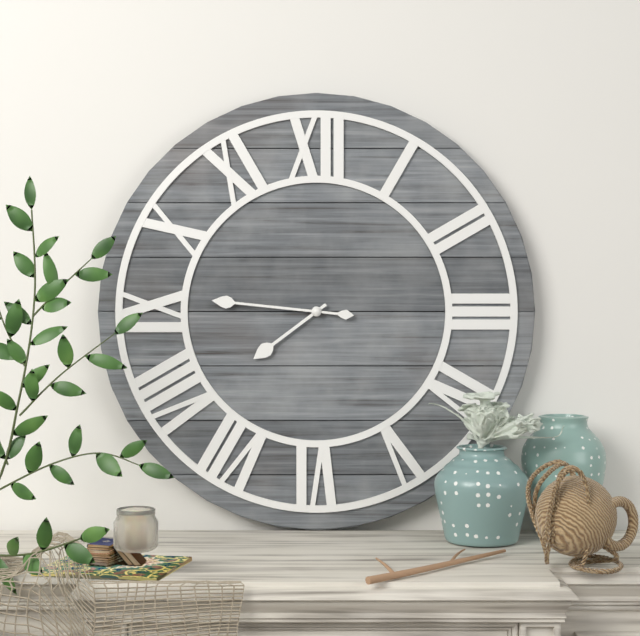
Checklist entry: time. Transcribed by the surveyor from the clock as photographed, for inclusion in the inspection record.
7:46
